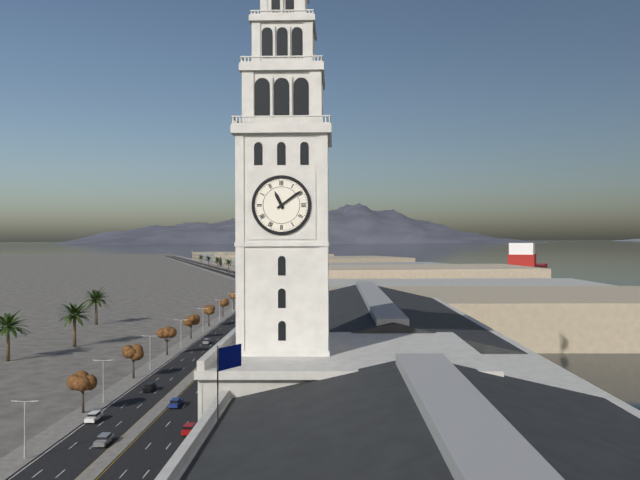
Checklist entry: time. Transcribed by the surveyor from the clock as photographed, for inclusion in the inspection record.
11:09
